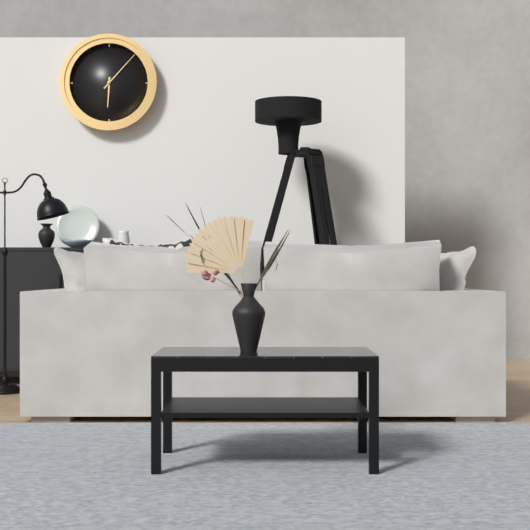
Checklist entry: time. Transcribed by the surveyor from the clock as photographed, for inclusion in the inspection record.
6:07
